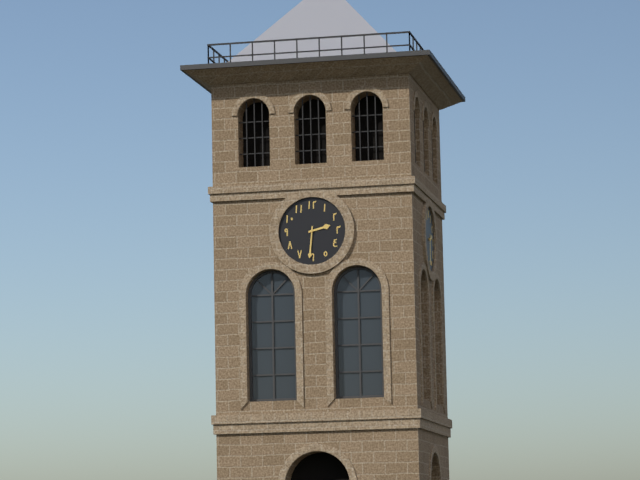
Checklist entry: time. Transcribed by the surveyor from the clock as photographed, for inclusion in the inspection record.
2:31
